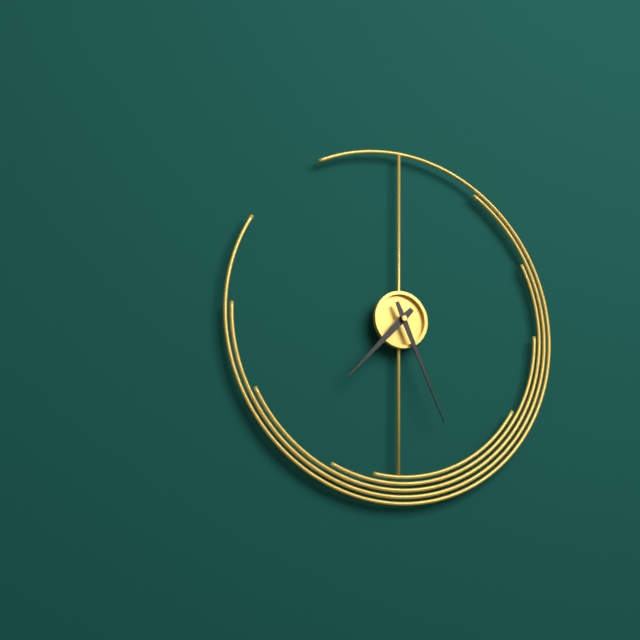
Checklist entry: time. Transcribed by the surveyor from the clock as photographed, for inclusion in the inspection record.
7:26
